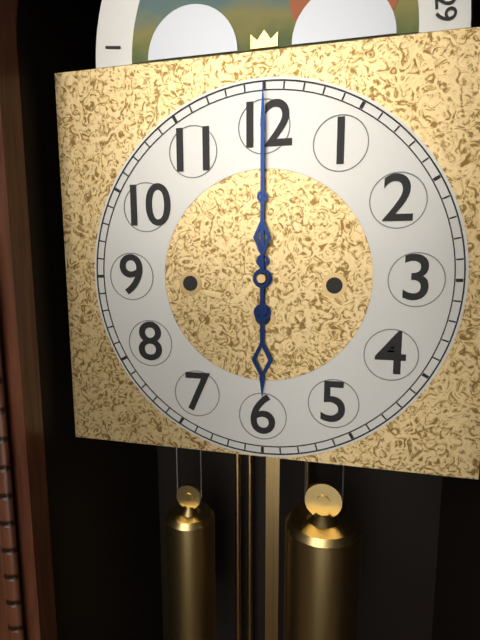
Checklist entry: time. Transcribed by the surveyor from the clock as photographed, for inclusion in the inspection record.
6:00
